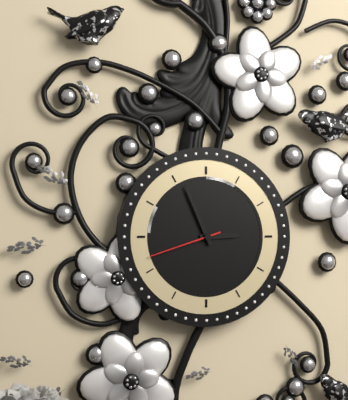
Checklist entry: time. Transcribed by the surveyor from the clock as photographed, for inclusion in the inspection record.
2:56:42
